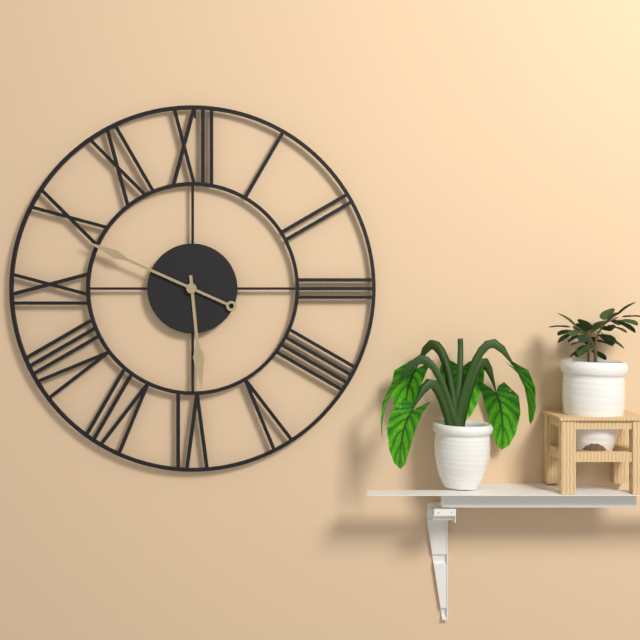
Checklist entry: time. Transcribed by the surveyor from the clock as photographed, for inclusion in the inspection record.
5:49
